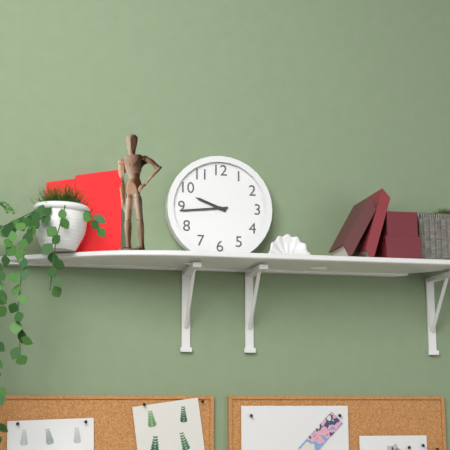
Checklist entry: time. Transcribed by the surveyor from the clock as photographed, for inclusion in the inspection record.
9:44
